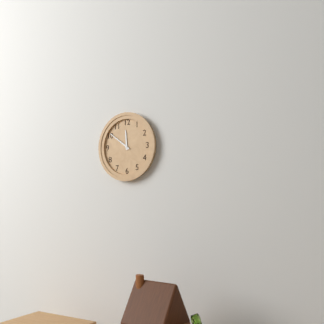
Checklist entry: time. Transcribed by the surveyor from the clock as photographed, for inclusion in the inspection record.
11:51
